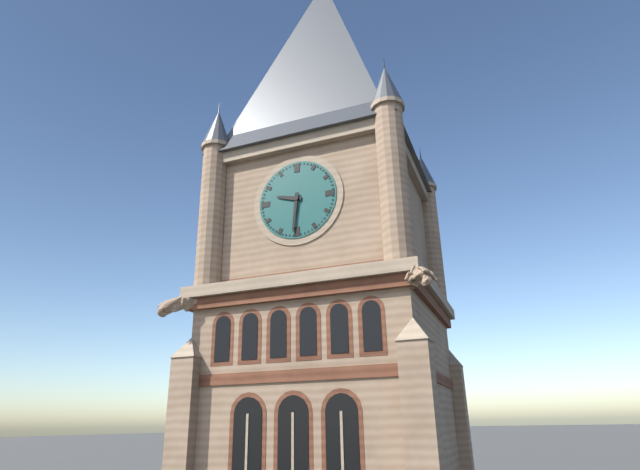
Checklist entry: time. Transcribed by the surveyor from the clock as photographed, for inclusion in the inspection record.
9:31
